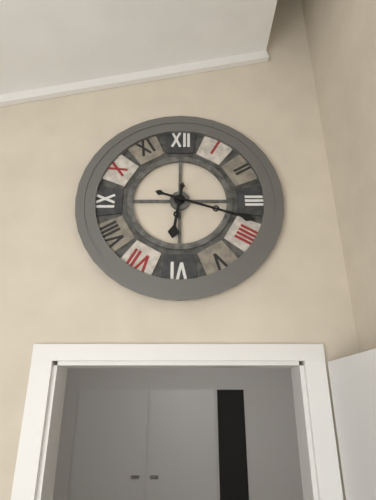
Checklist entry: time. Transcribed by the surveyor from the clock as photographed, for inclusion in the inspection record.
6:18
